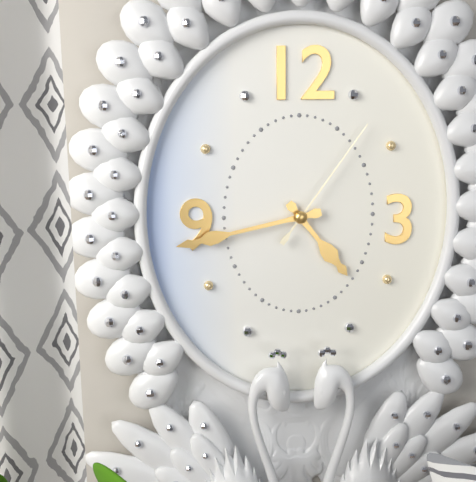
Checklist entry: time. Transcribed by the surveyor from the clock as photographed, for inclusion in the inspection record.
4:43:06
